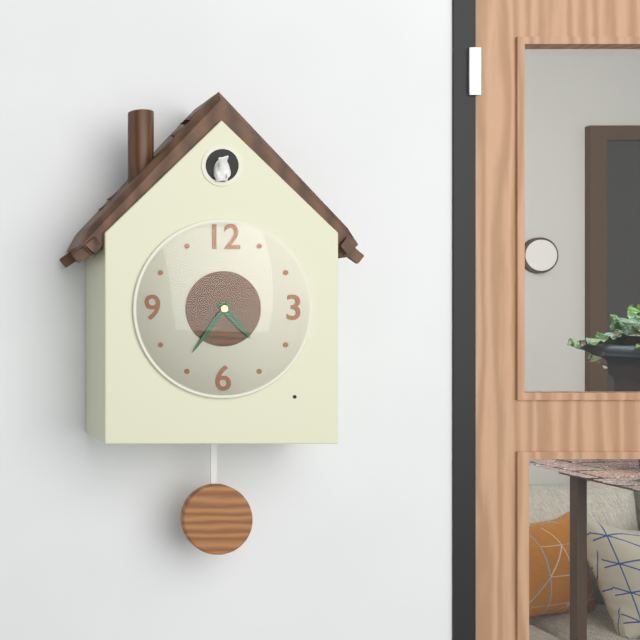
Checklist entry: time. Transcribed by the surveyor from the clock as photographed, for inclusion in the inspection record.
4:36
